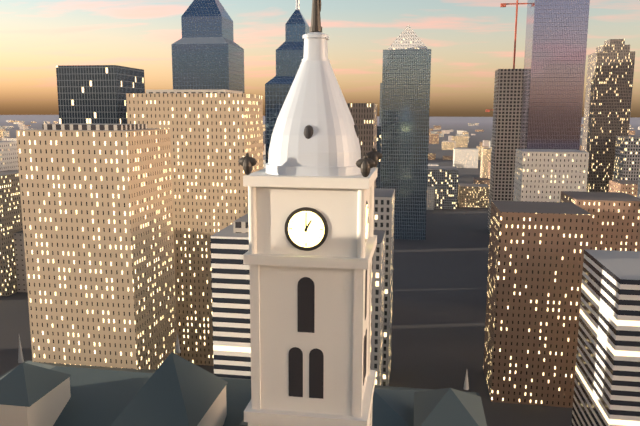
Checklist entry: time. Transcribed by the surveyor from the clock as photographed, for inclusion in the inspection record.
1:00
